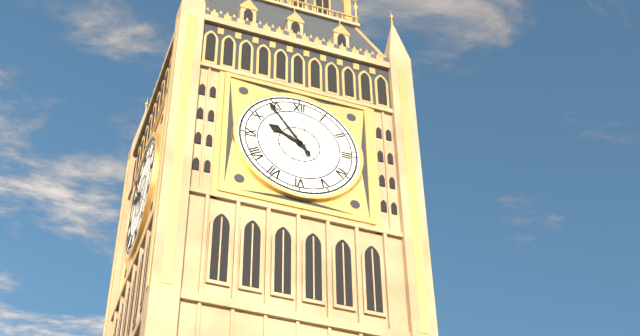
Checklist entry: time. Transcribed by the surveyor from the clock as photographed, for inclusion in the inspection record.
9:54
